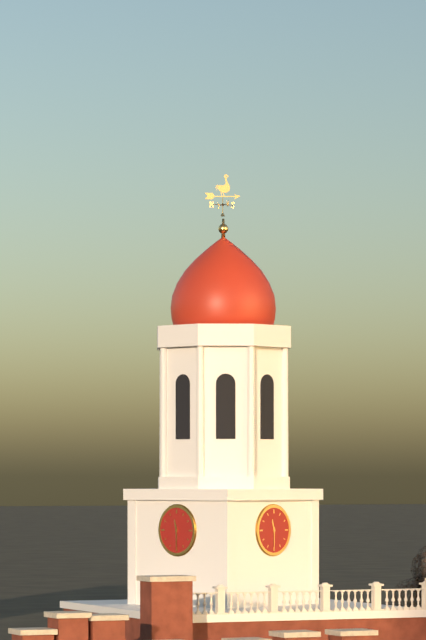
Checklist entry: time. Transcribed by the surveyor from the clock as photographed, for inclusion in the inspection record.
11:30
